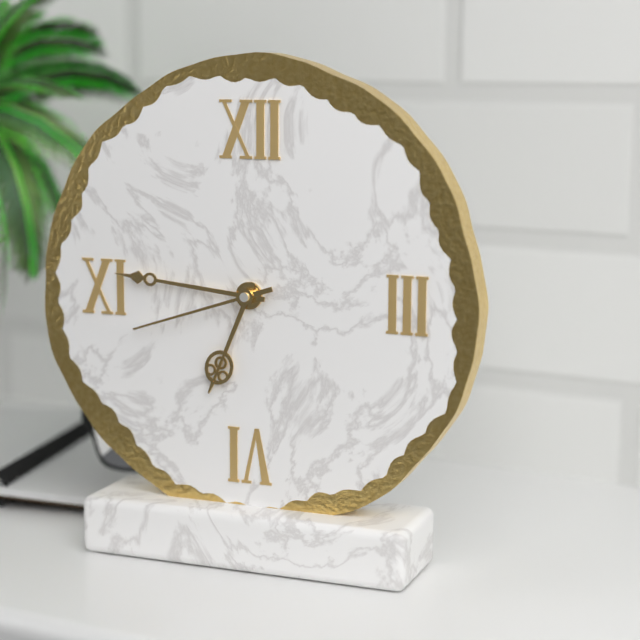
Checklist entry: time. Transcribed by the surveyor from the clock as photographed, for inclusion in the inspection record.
6:46:42
